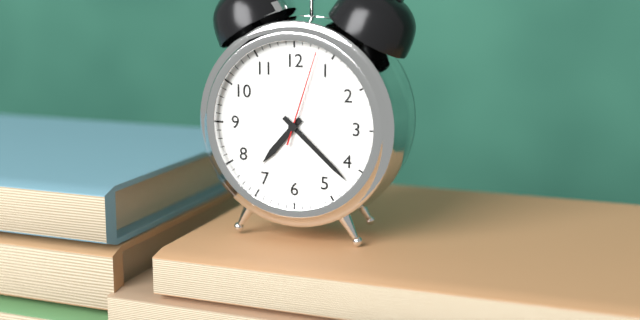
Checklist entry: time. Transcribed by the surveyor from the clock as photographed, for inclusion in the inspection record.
7:22:03
